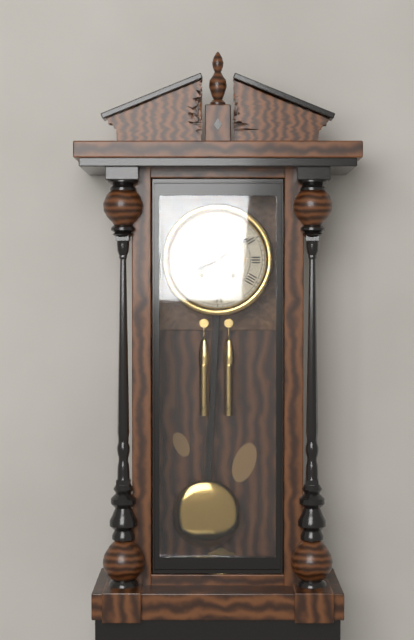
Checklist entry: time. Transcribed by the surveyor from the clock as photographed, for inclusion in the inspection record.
8:09
